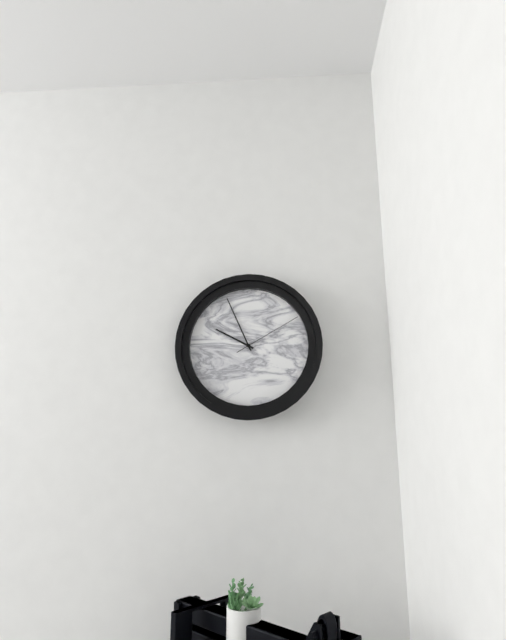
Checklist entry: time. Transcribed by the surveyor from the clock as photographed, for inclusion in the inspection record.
9:56:10
